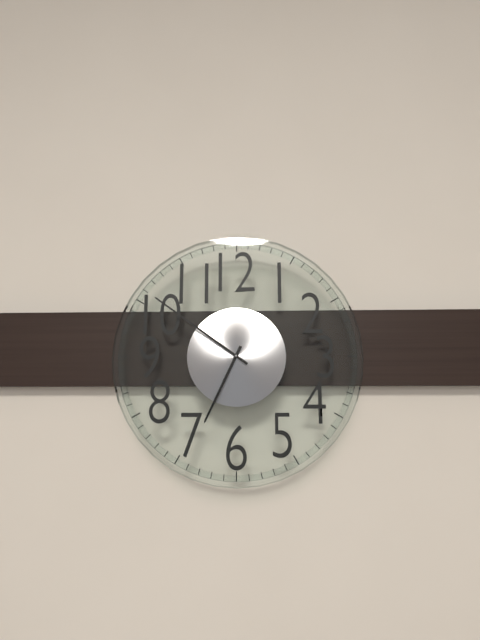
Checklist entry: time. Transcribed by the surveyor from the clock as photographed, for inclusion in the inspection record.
6:51
